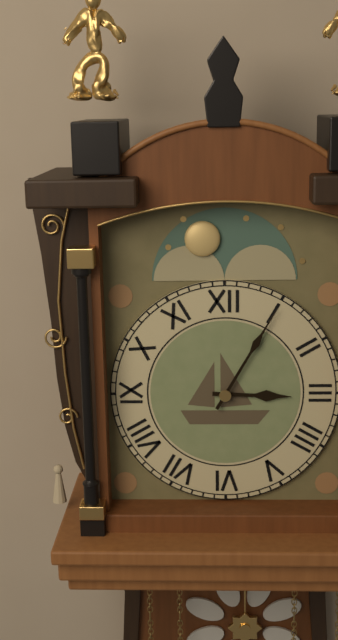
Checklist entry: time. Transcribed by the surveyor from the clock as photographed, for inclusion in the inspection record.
3:05
